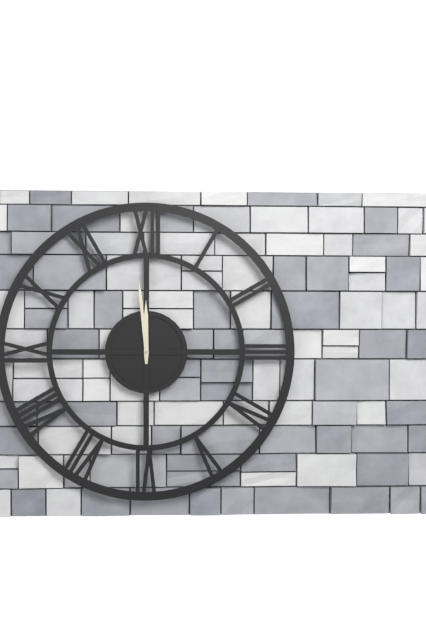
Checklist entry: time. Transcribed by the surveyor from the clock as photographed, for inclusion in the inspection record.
11:59
